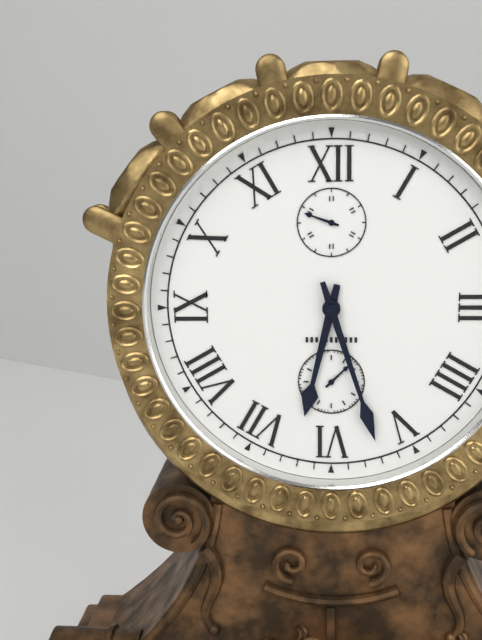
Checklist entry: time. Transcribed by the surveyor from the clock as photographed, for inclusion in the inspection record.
6:27
